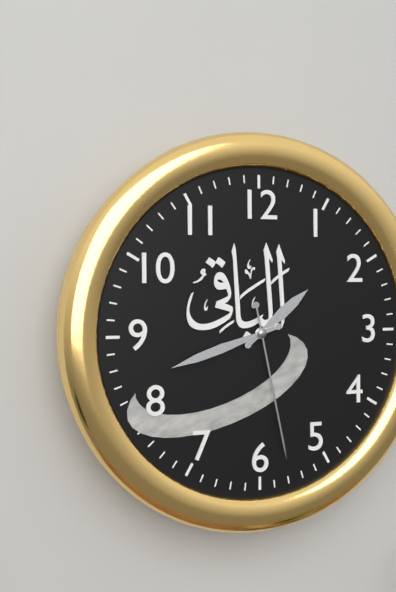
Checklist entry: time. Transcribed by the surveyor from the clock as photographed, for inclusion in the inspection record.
1:42:28
